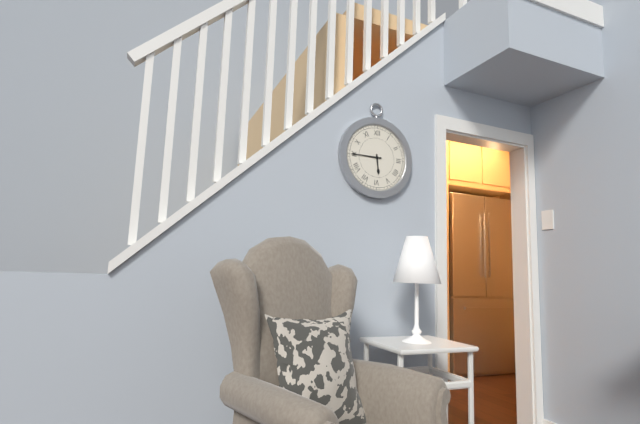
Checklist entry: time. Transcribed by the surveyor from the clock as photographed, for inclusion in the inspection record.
5:45
